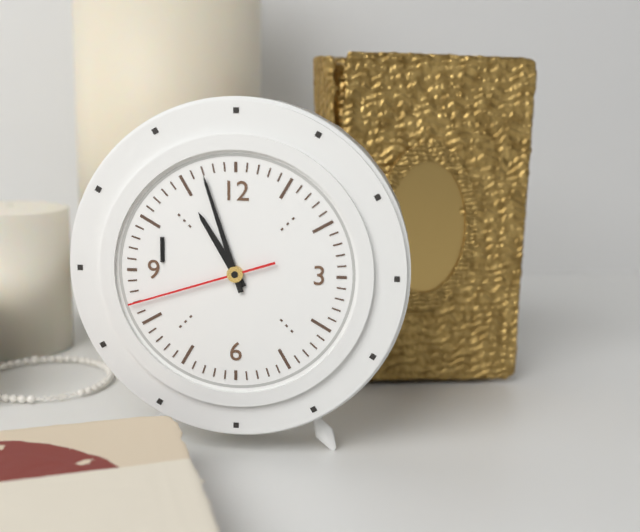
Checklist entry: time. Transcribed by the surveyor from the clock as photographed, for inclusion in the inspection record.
10:57:42
